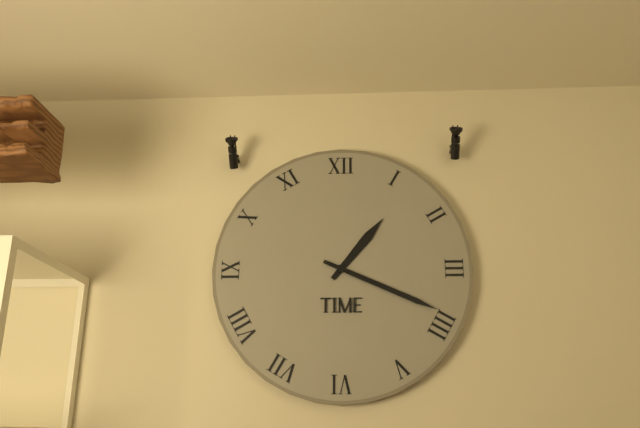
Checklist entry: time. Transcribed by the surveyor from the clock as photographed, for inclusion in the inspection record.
1:19
